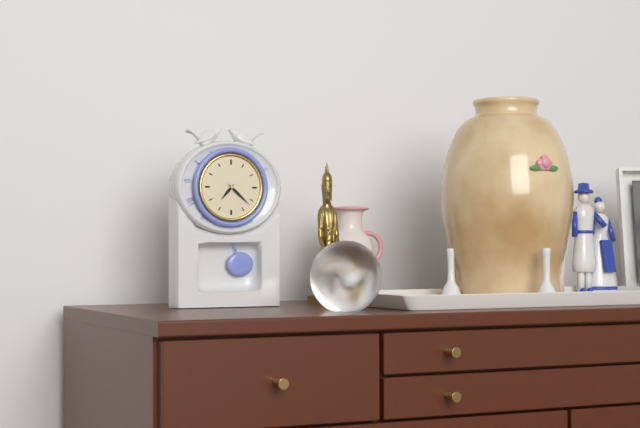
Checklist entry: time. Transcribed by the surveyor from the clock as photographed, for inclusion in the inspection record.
7:22
